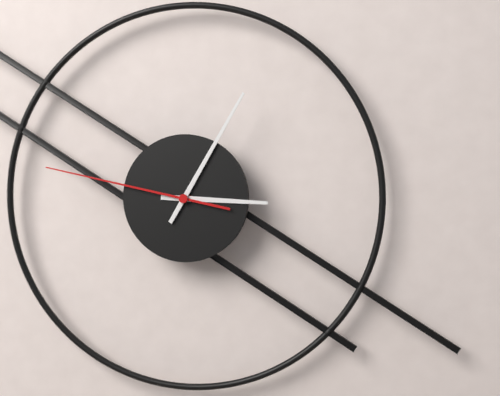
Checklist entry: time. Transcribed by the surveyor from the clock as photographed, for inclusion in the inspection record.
3:05:47
